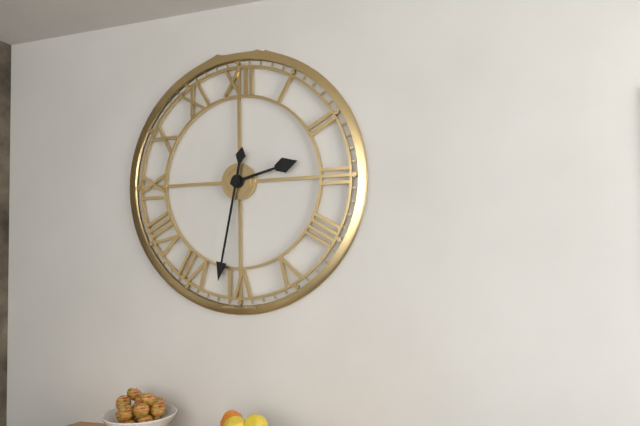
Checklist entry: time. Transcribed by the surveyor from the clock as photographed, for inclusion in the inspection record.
2:32
